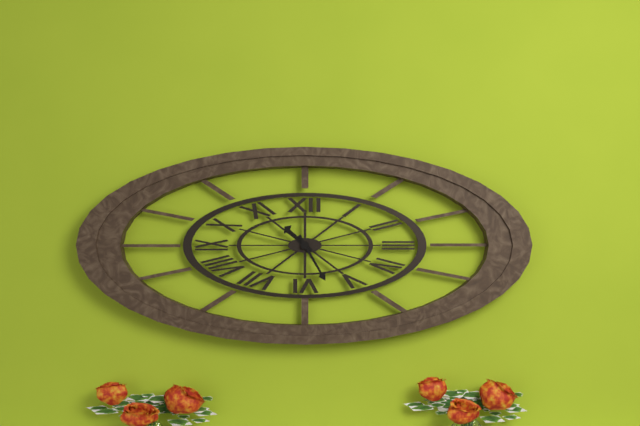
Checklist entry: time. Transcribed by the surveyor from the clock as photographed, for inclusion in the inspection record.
10:25
